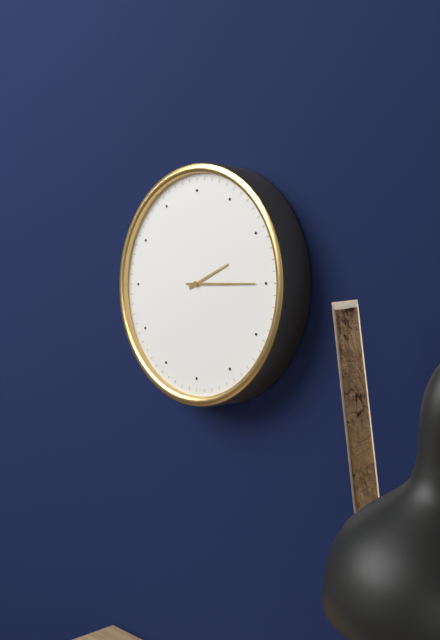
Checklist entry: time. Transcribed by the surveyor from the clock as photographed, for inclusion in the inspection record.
2:15
